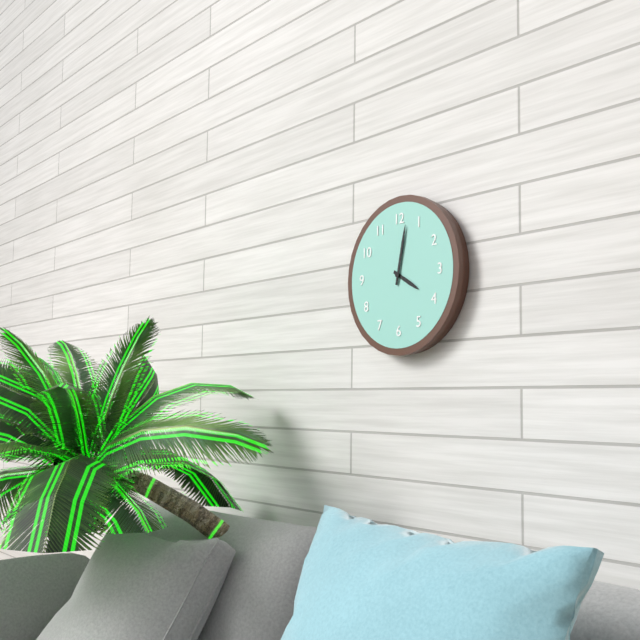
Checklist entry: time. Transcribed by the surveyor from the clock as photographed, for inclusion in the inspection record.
4:02
